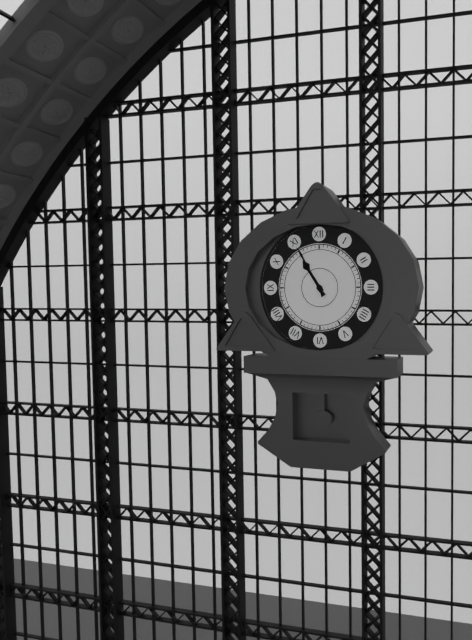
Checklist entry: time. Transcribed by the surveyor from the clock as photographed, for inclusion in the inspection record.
10:55
